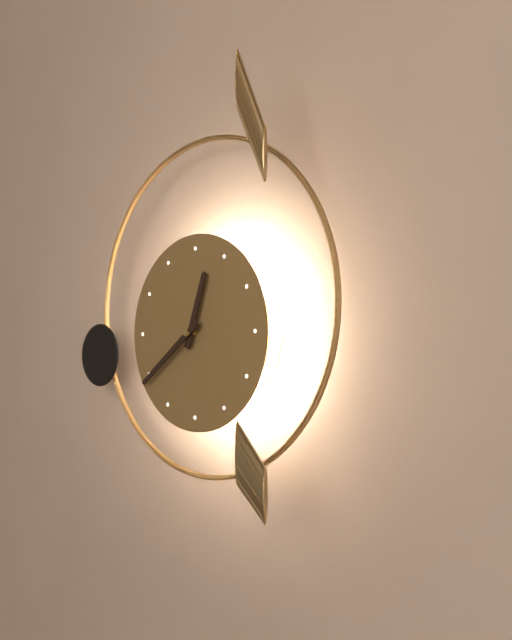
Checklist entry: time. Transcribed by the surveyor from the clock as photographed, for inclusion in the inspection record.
12:39
